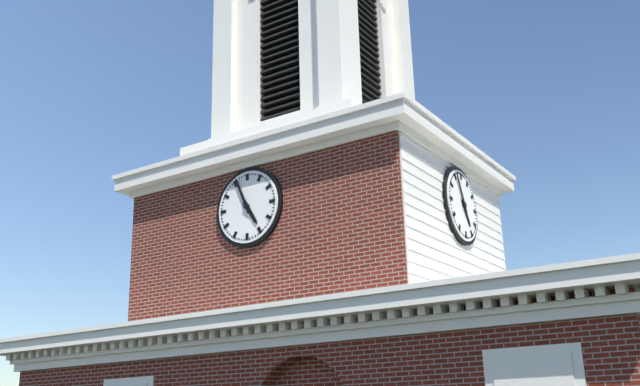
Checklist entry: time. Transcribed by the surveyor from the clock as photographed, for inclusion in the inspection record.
4:56
